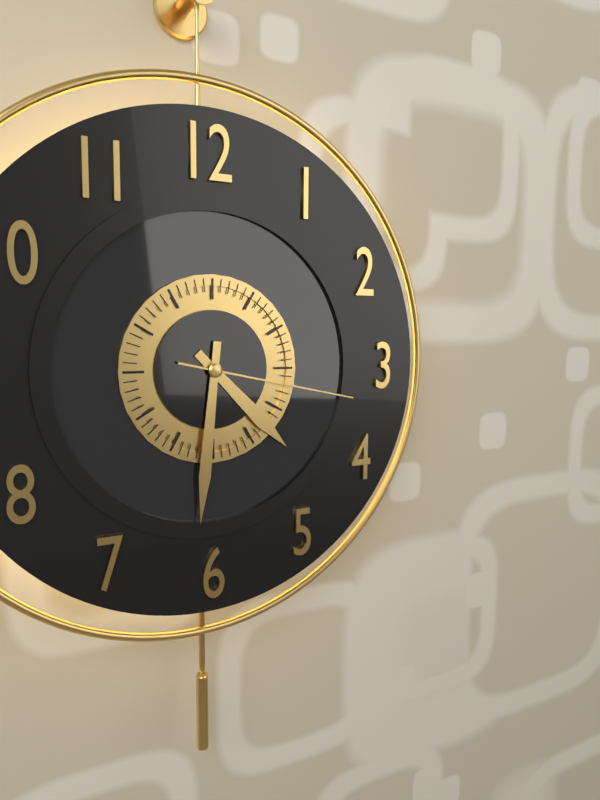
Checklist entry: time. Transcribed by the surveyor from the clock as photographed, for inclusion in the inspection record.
4:31:17
